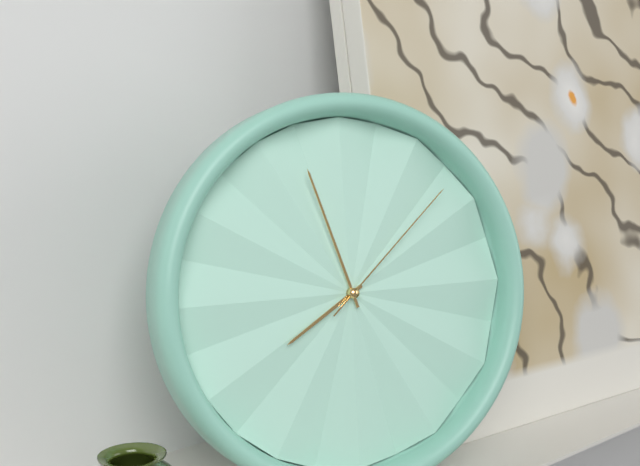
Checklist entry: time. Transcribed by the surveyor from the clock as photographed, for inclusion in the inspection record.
7:57:08
